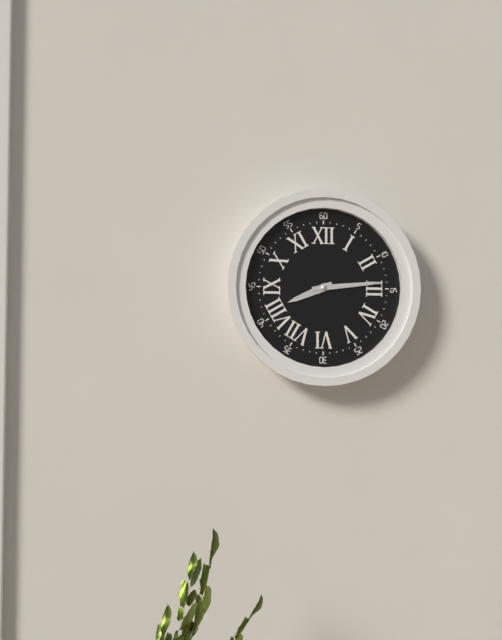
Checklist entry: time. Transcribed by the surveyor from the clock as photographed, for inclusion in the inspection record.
8:14
